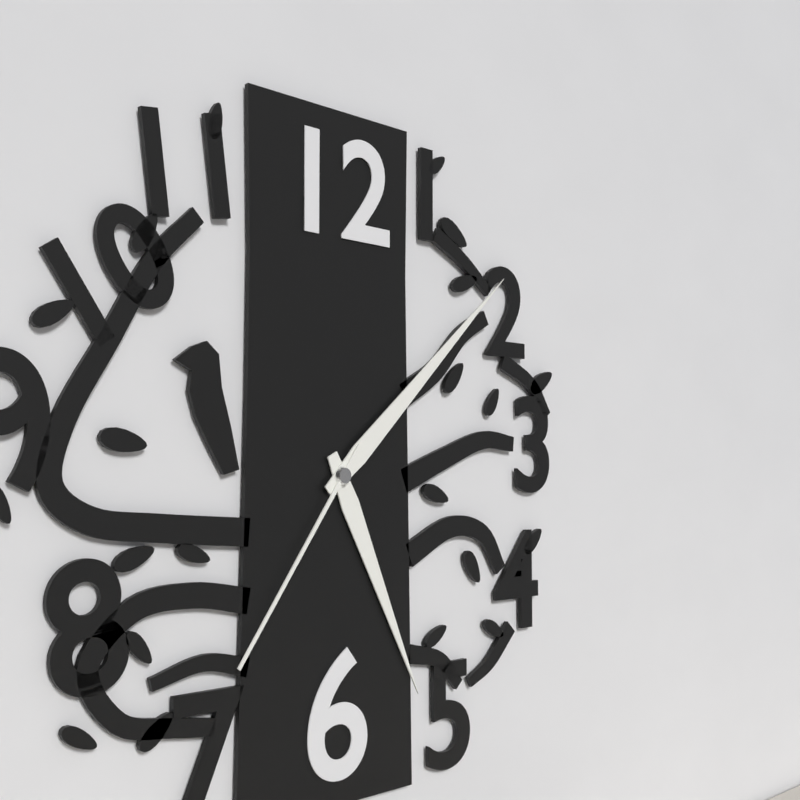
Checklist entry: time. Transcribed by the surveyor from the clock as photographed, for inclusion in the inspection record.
5:08:36
